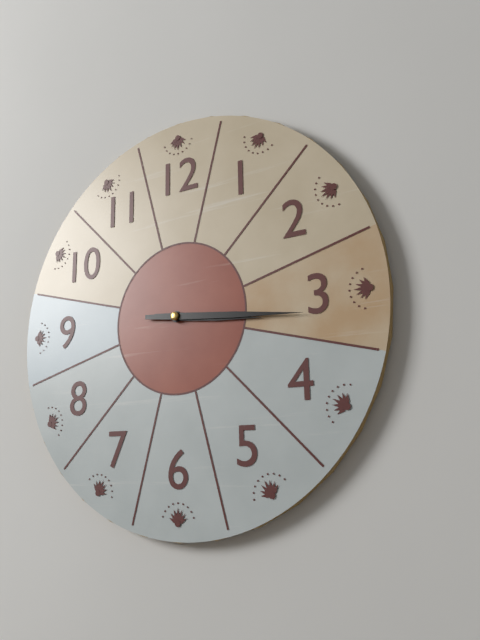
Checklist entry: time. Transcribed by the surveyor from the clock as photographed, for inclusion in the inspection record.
3:16
